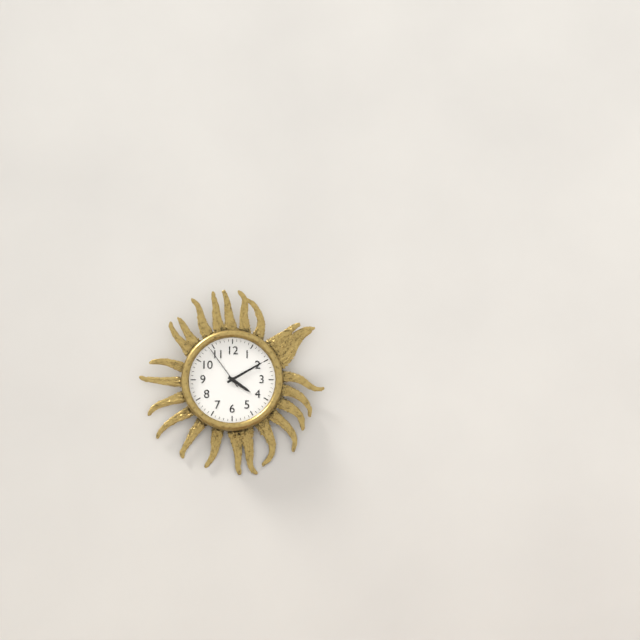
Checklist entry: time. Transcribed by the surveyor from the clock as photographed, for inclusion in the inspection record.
4:10
